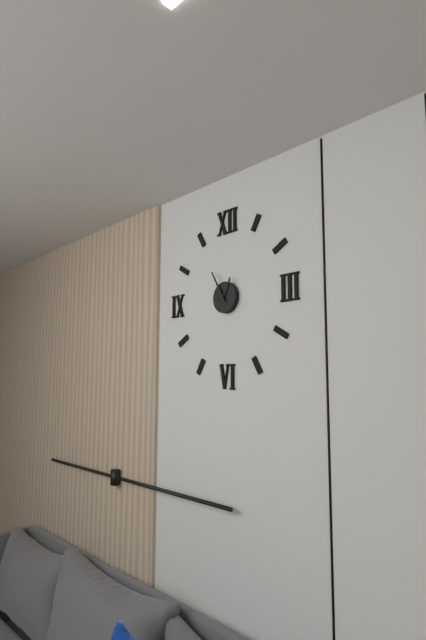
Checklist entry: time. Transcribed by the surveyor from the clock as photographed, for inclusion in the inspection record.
12:55
